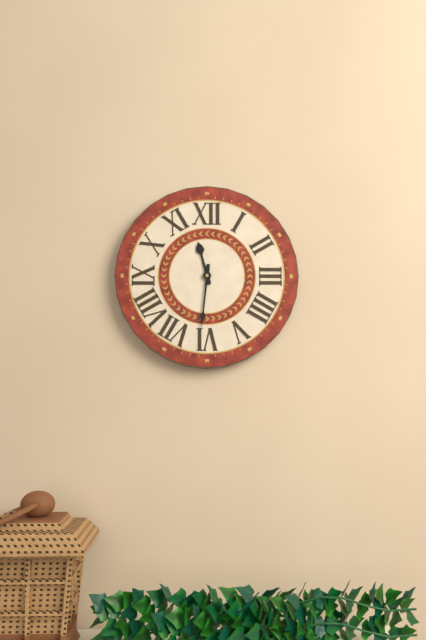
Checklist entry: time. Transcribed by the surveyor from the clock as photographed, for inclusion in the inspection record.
11:31
